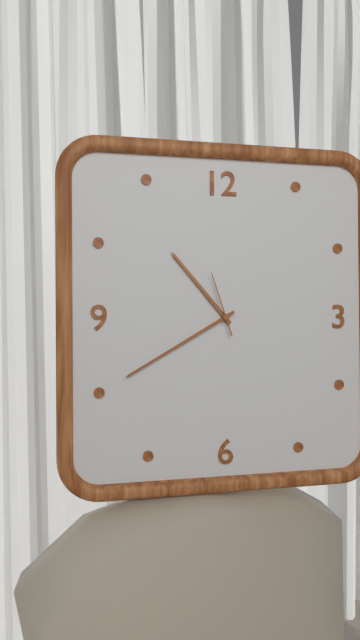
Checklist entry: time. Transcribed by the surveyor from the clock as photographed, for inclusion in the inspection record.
10:40:57
